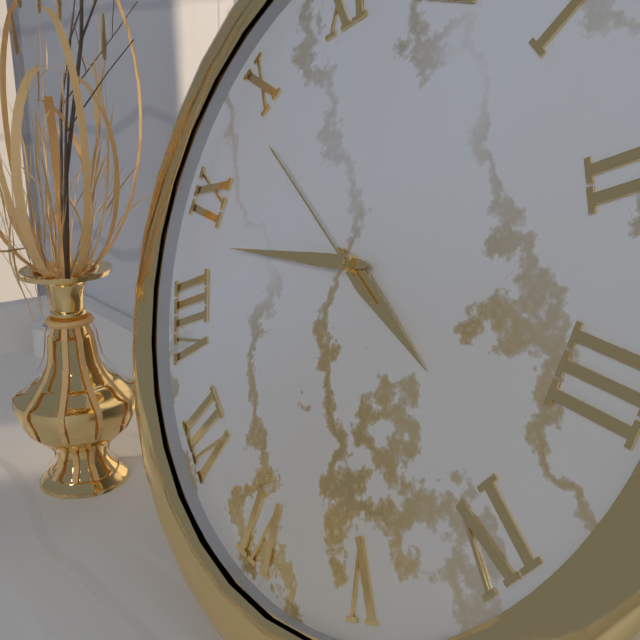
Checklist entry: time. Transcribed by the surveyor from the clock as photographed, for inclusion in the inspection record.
3:43:49
